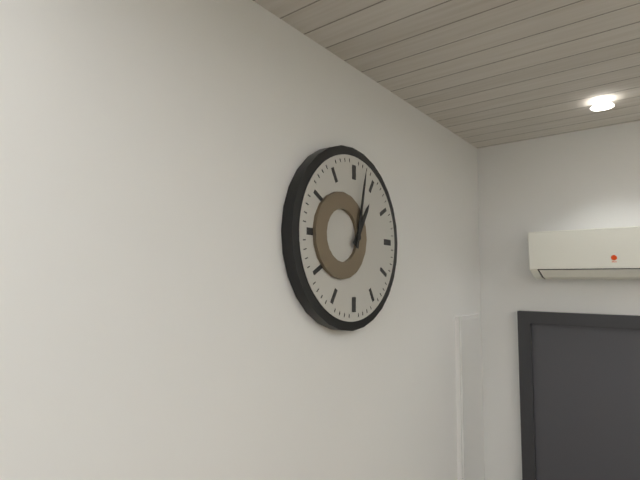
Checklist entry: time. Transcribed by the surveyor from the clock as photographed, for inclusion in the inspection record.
1:02
